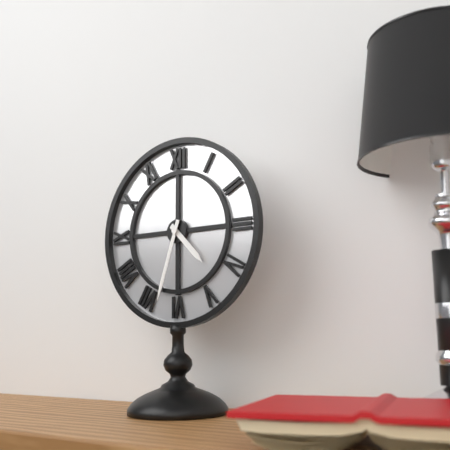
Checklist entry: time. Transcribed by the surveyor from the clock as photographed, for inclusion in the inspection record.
4:33
